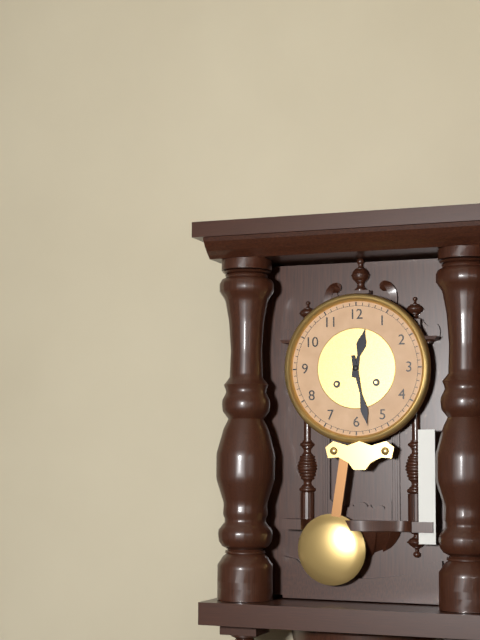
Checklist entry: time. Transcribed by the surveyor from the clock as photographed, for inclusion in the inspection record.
12:28
